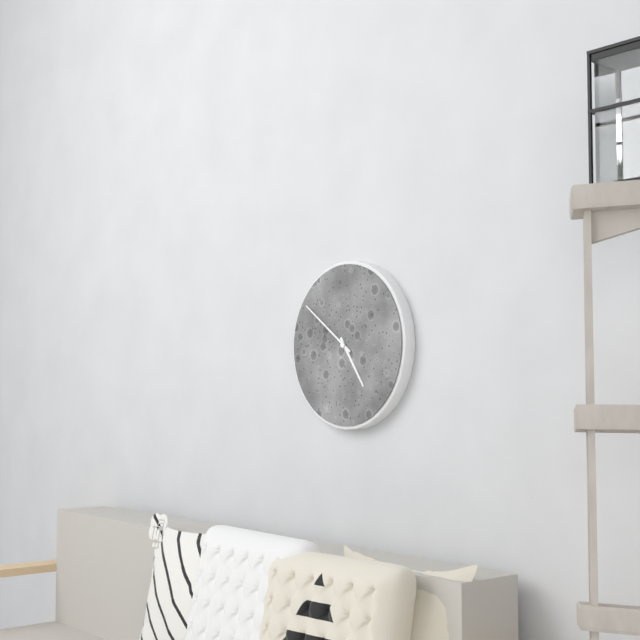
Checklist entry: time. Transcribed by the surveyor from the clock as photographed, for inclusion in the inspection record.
4:51
